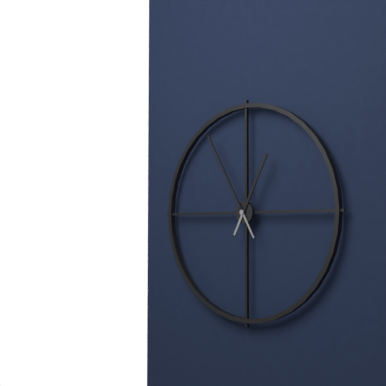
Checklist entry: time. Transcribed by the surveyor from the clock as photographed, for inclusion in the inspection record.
12:55
